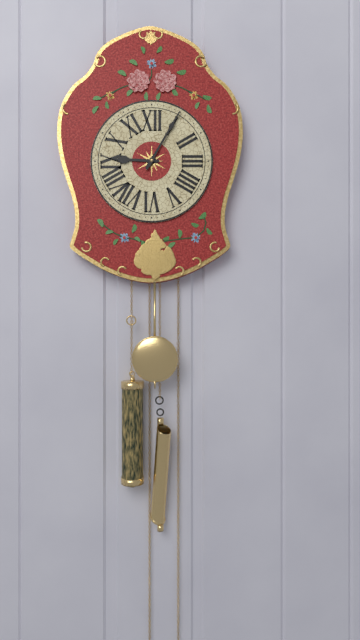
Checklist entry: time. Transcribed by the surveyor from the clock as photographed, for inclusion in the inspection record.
9:05
